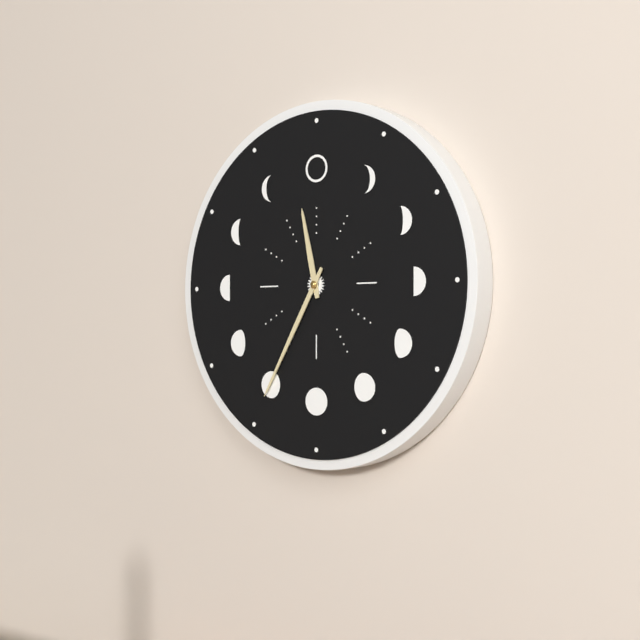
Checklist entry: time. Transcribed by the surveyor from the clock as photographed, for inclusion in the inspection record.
11:35
